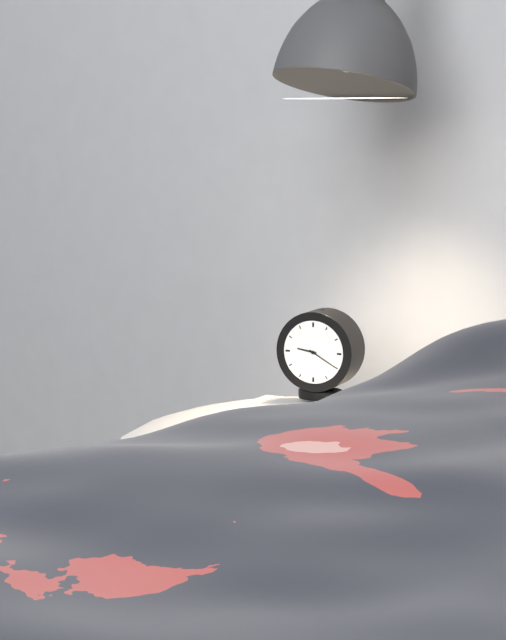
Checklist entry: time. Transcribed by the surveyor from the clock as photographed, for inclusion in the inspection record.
9:20
